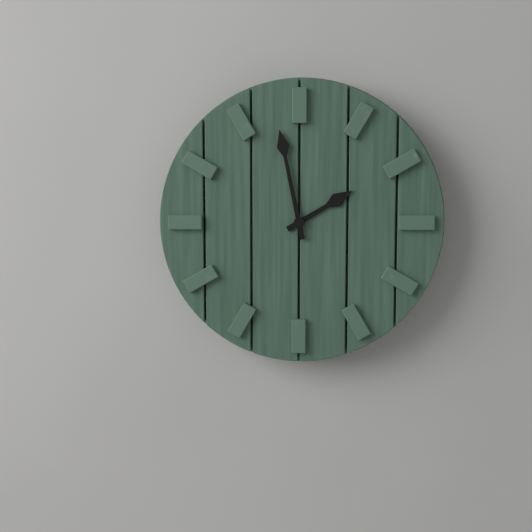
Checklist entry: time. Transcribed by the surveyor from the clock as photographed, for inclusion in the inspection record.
1:58
